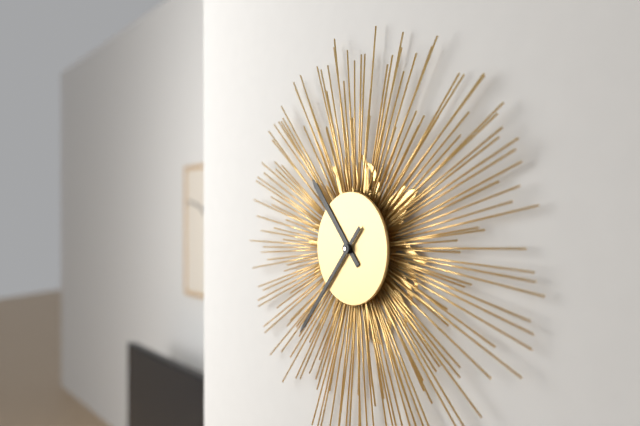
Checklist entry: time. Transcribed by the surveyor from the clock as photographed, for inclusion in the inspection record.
10:37
